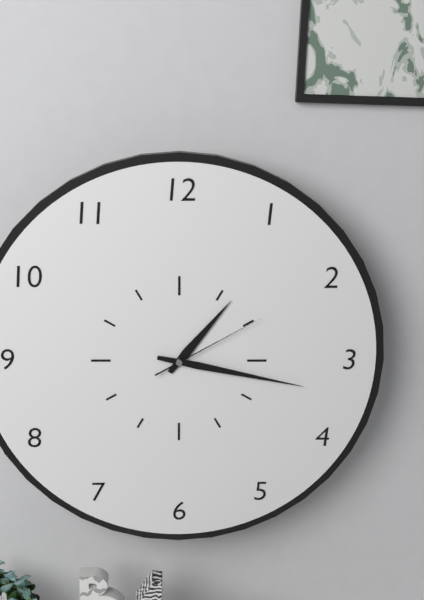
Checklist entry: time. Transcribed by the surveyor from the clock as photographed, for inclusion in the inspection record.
1:17:10
